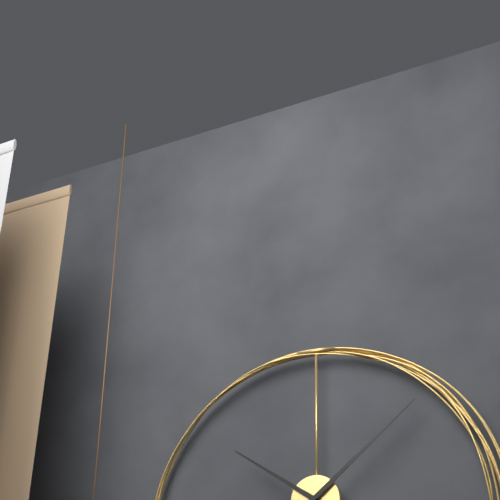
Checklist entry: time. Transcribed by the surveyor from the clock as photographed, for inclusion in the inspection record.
10:08
